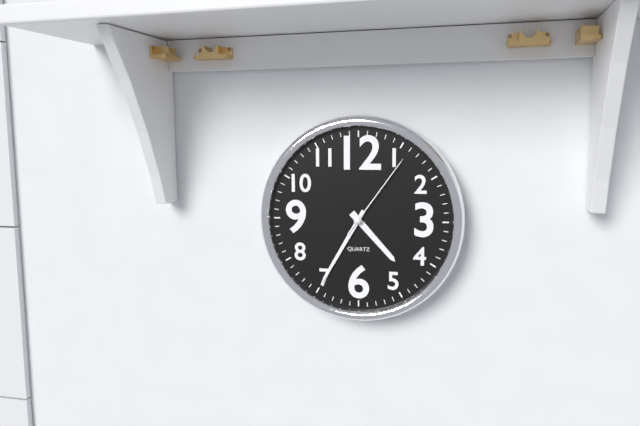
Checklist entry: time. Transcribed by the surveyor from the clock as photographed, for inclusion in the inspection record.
4:35:06
